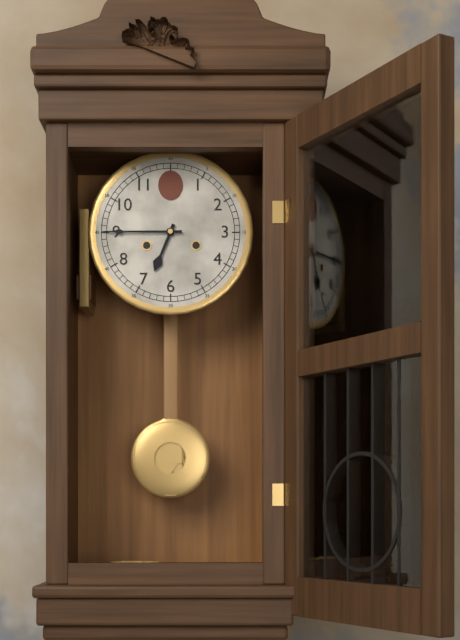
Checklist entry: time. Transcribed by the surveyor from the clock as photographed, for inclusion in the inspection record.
6:45
